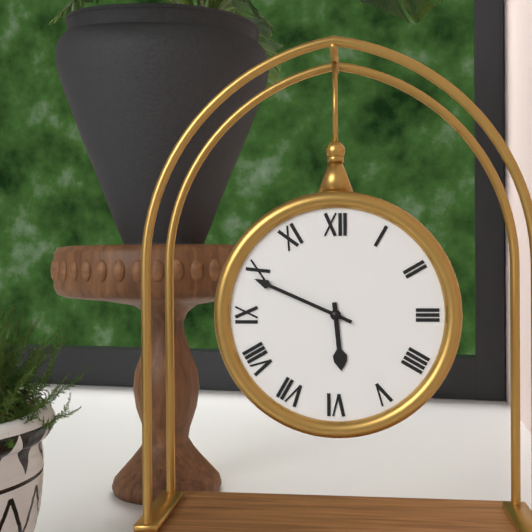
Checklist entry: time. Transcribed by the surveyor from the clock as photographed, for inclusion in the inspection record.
5:49
